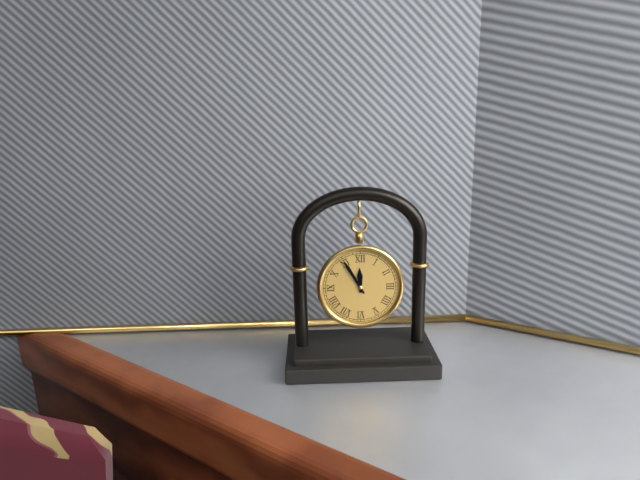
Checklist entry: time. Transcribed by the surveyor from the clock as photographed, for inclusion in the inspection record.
11:55
